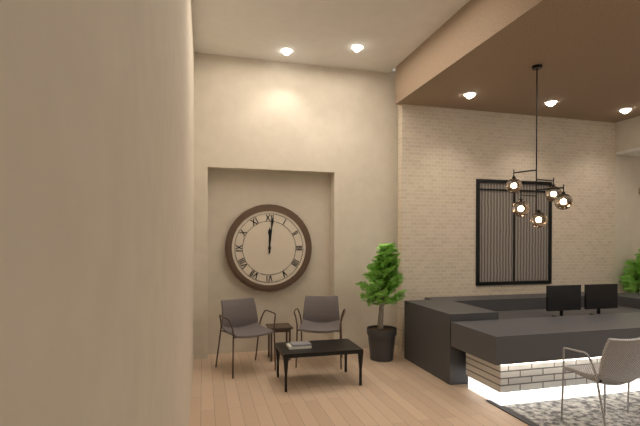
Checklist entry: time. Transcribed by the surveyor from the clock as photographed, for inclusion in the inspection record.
12:01
